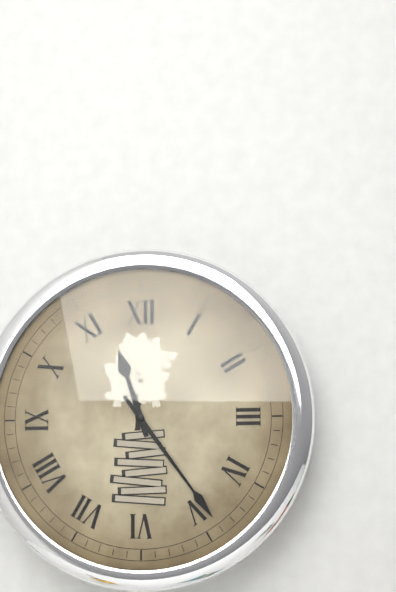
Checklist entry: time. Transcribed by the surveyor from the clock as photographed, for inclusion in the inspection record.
11:24
